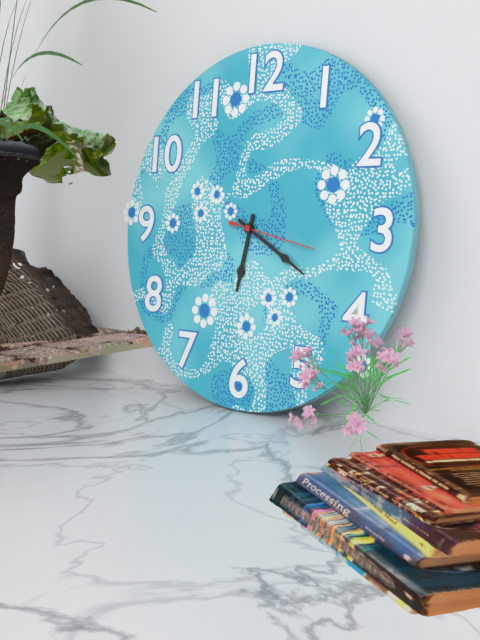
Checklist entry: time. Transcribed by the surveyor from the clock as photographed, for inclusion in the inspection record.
6:20:17
